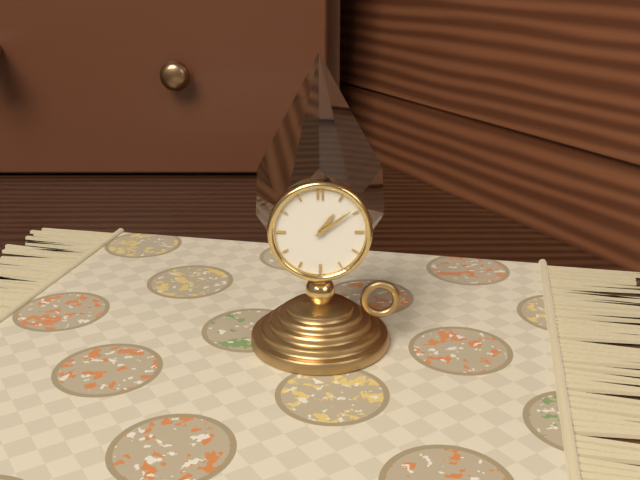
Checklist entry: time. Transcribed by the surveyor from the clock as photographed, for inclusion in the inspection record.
1:09
